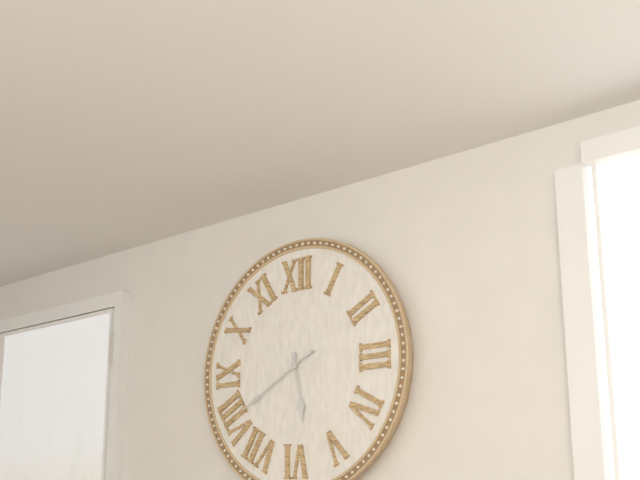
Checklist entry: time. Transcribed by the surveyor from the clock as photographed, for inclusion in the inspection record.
5:40
